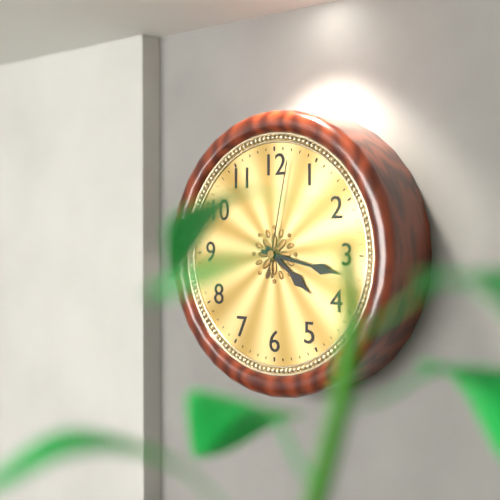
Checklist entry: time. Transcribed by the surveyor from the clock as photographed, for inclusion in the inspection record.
4:17:02
